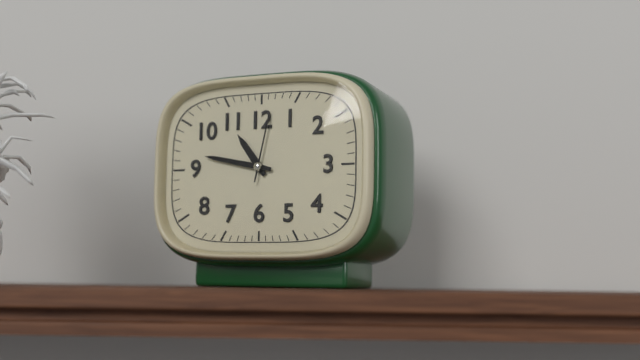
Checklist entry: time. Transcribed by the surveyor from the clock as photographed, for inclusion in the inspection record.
10:47:02
